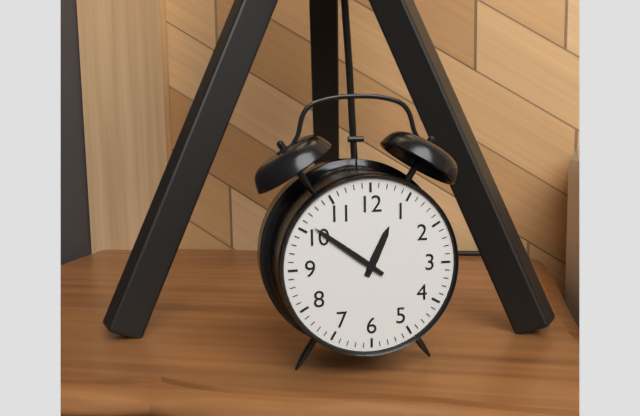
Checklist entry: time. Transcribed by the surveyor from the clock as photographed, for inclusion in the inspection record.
12:51
